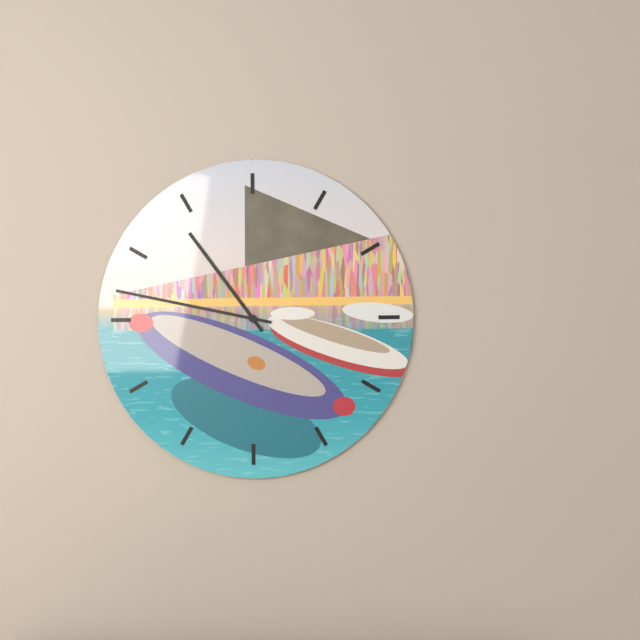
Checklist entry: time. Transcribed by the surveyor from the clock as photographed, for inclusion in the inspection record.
10:47
